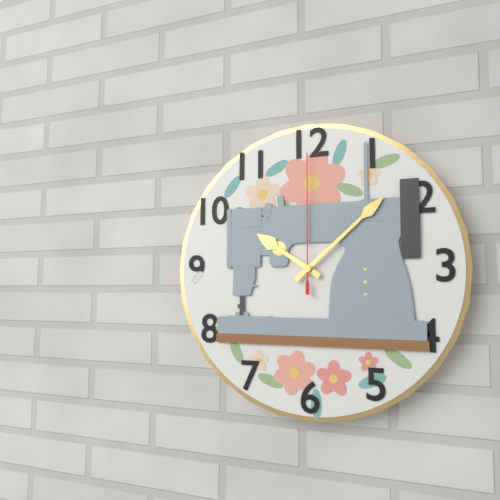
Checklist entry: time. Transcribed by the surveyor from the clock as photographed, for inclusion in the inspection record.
10:08:00
